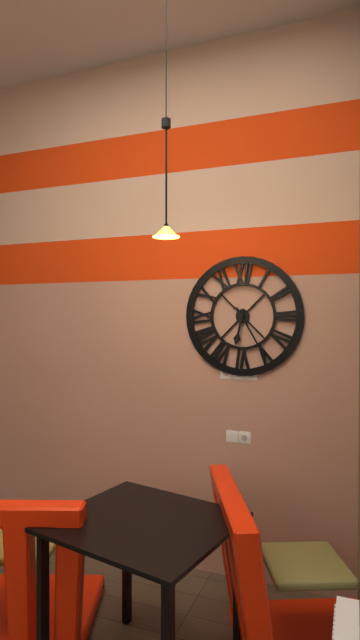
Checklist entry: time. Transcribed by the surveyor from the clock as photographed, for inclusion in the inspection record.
6:25
